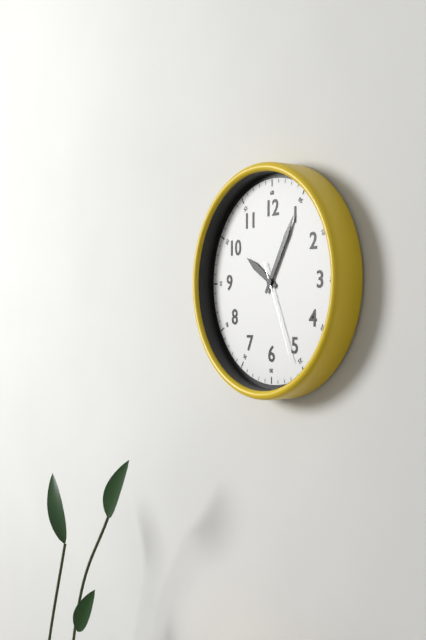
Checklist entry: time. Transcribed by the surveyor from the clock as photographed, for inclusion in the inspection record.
10:05:26
